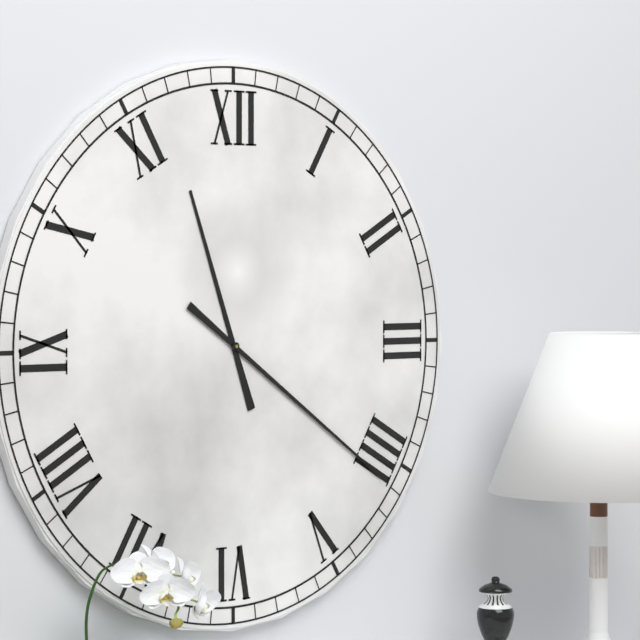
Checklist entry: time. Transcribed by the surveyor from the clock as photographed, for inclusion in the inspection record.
11:21
